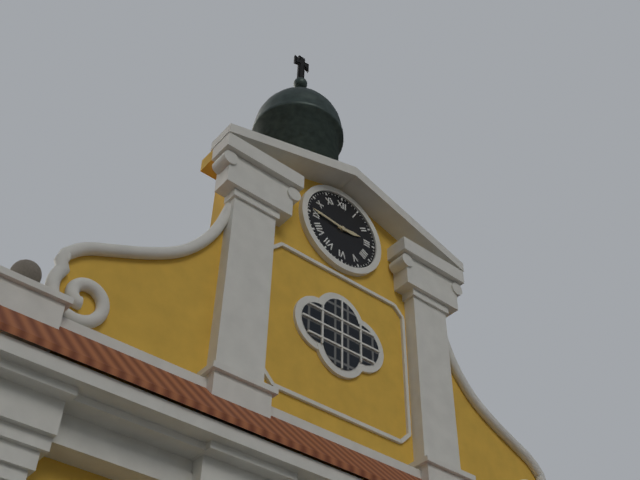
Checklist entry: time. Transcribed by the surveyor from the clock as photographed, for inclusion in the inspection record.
2:46
